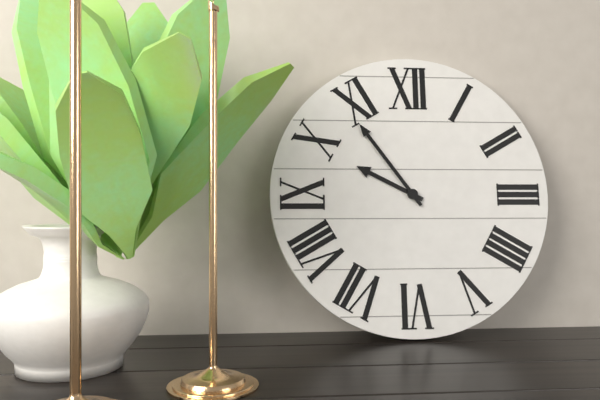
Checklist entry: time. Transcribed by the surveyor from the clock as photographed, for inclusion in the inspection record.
9:54
